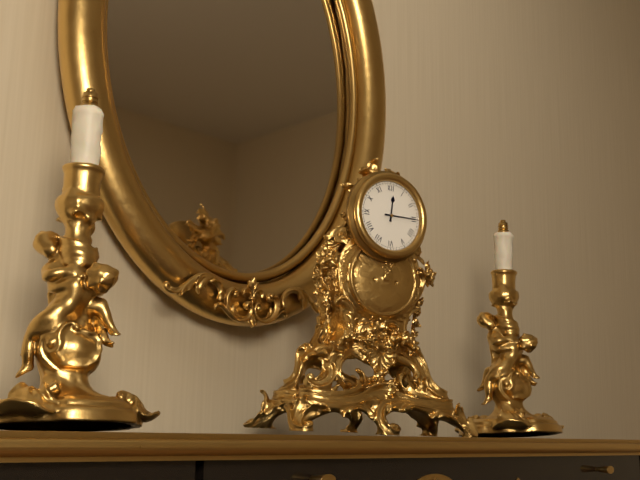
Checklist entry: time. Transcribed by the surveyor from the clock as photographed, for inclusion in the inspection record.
12:15
